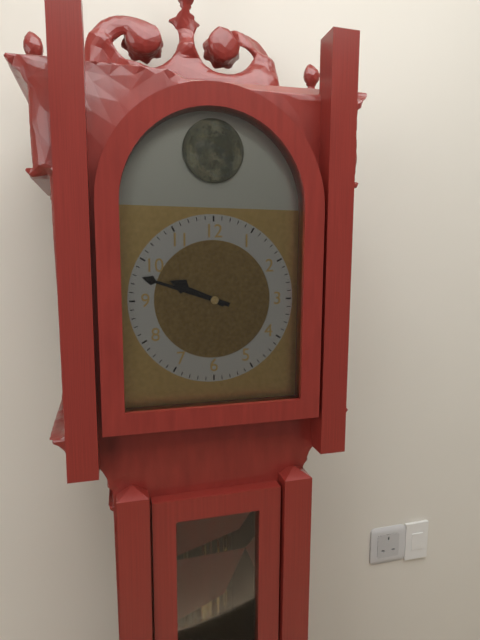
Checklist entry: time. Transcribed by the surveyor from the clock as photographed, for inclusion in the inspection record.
9:48
